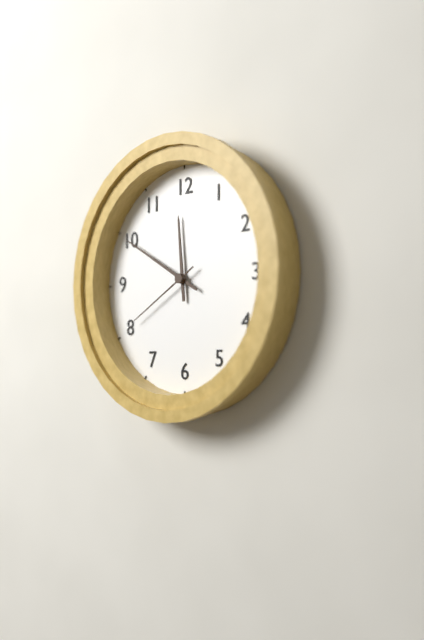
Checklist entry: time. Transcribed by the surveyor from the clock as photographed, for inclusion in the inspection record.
11:50:40
